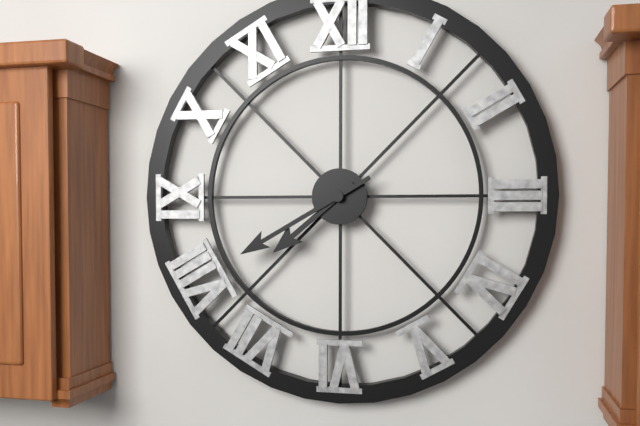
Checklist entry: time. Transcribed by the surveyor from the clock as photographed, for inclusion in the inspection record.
7:40
